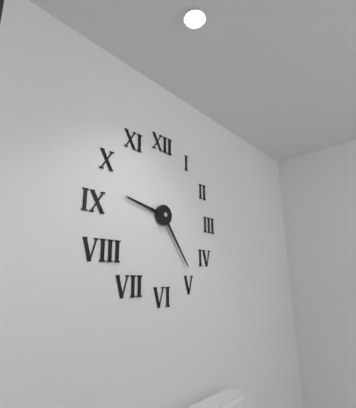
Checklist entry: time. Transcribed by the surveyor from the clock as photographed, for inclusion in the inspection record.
9:24
